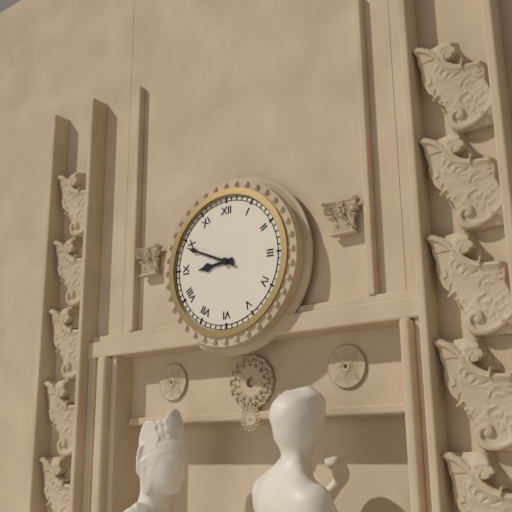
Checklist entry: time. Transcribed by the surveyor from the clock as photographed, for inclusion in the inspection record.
8:49
